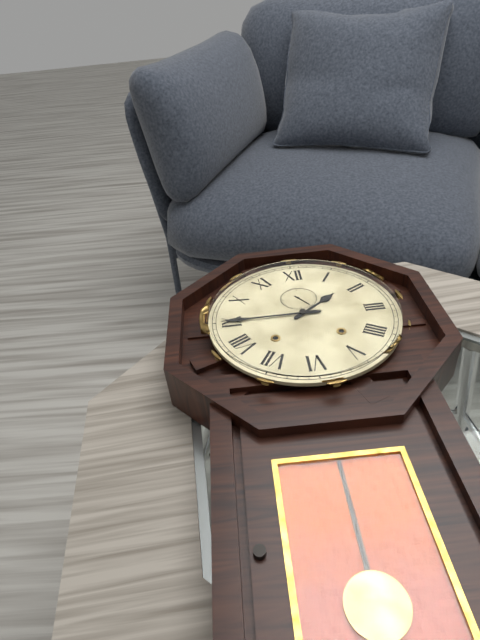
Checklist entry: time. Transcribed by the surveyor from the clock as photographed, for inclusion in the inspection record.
1:45
